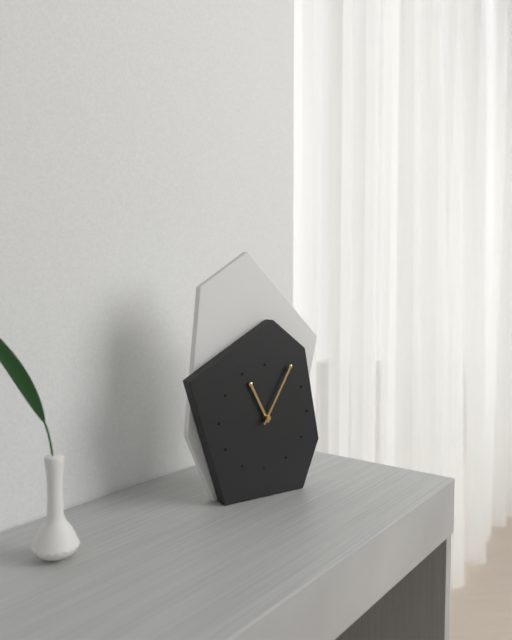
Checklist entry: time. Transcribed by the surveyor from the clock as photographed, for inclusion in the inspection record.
11:05
